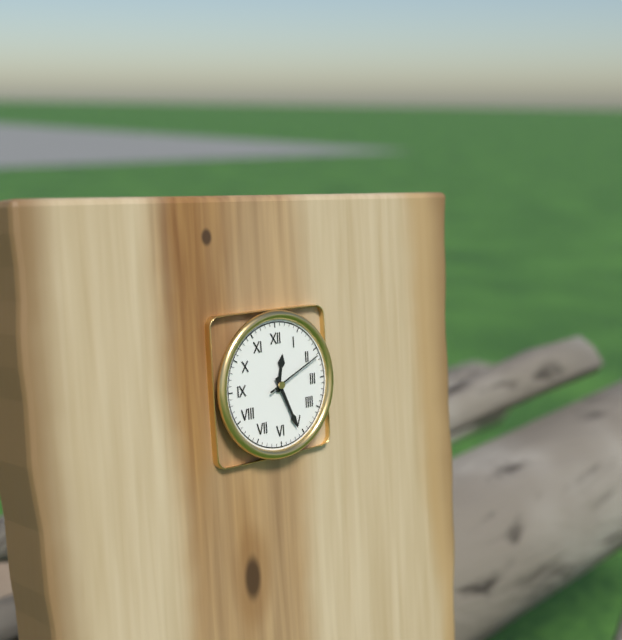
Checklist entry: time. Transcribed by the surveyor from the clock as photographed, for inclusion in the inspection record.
12:26:11
